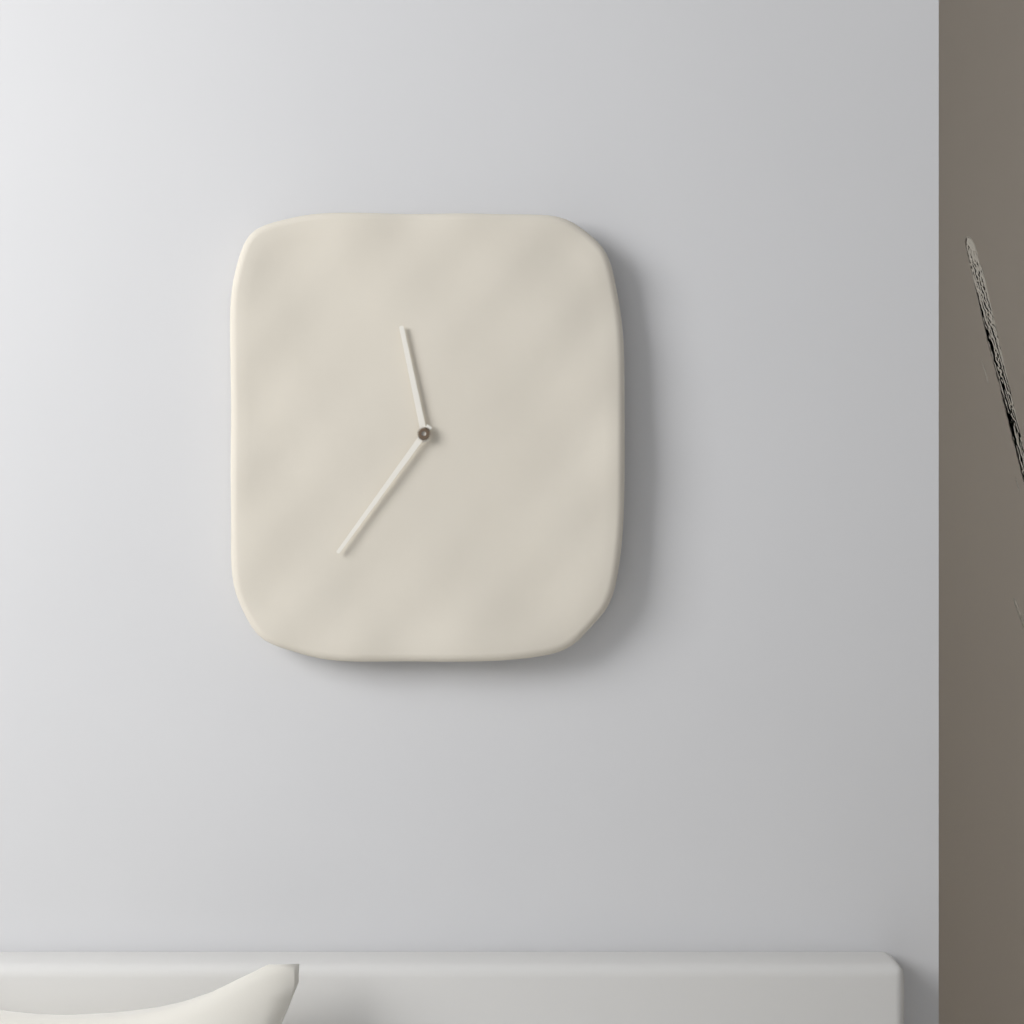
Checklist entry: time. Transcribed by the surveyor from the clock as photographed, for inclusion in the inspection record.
11:36
